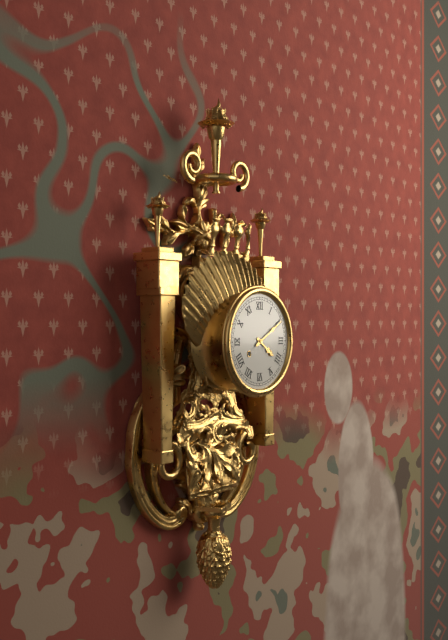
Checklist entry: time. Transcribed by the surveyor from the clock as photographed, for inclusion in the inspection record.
4:10
